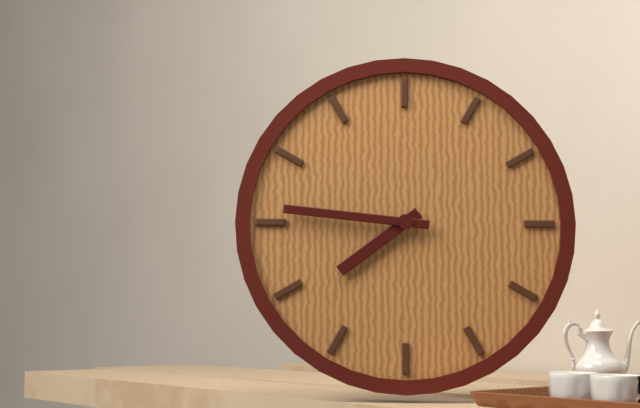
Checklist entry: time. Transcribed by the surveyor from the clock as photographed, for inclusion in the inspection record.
7:46
